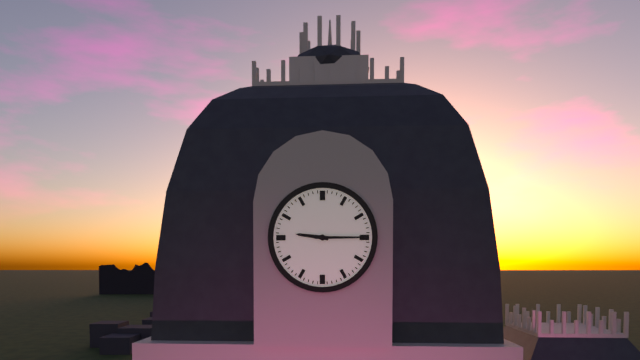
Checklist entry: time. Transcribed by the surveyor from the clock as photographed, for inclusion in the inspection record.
9:15
